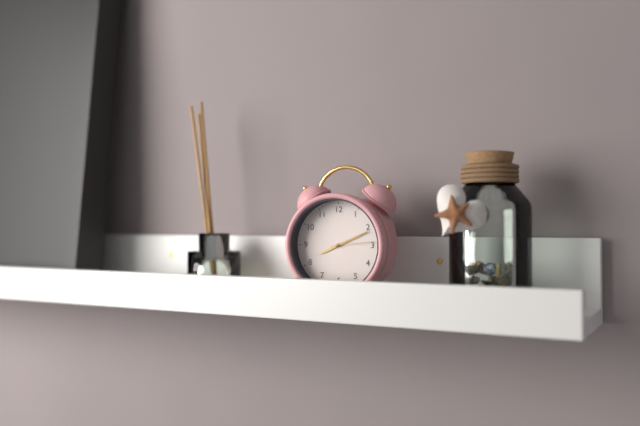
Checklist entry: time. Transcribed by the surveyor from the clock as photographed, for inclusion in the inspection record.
8:11
